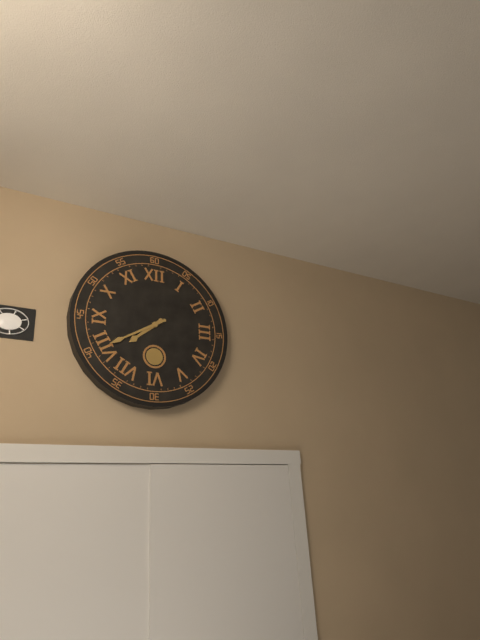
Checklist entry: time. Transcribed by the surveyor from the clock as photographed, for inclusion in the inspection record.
7:40
